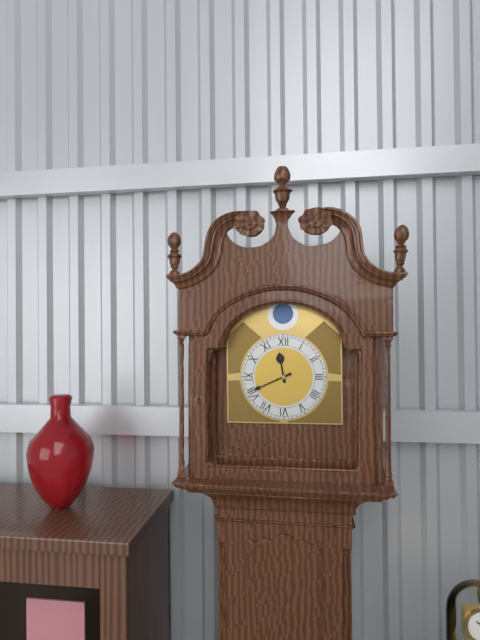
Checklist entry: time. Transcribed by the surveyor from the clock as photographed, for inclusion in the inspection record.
11:41
